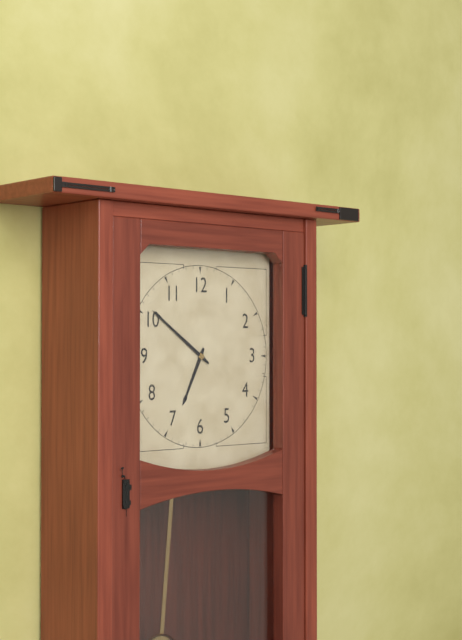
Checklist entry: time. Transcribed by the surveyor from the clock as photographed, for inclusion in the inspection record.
6:51
